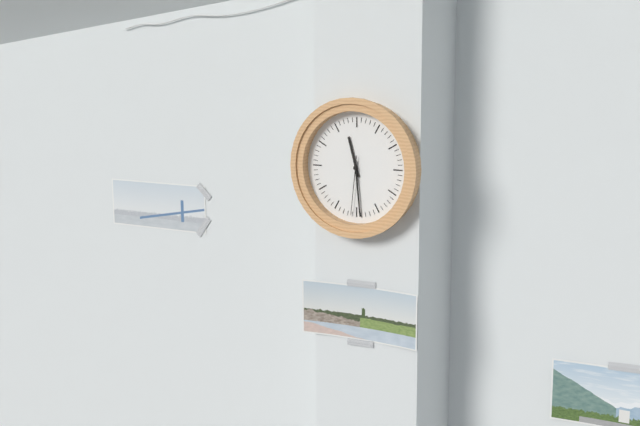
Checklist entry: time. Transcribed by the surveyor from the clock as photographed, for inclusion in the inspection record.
11:29:31
